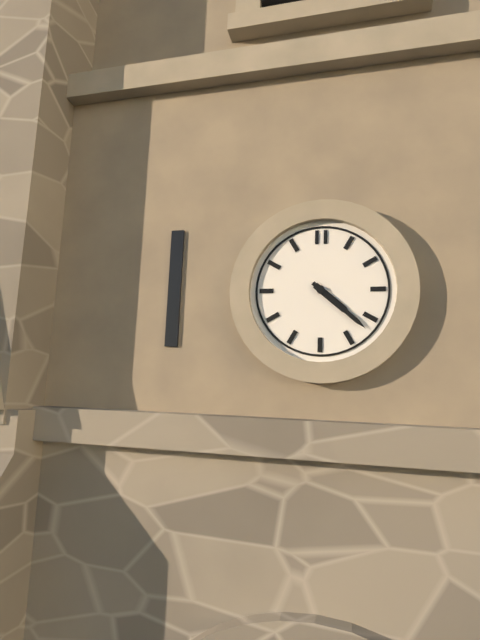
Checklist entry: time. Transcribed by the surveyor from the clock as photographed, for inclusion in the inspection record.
4:22
